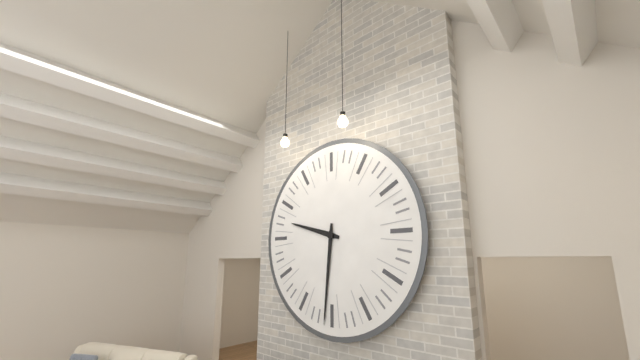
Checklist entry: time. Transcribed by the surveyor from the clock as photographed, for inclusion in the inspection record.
9:31
